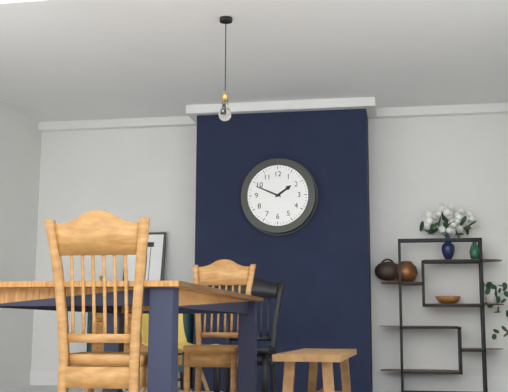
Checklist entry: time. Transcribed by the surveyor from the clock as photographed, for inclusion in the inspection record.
1:49
